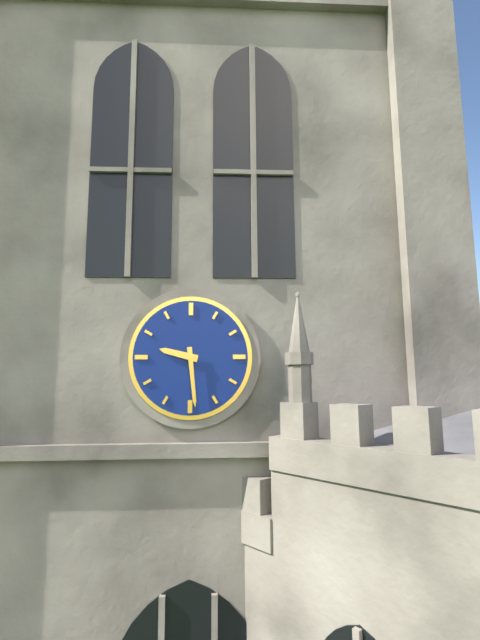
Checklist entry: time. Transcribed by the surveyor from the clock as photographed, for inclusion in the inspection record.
9:29
